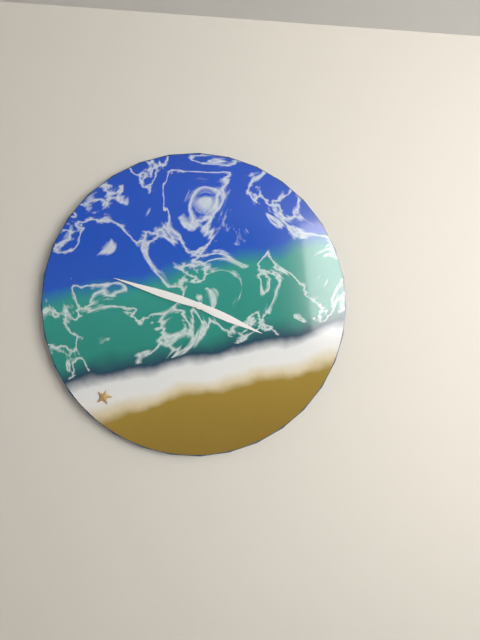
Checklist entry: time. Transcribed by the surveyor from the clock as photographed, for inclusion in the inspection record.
3:48
